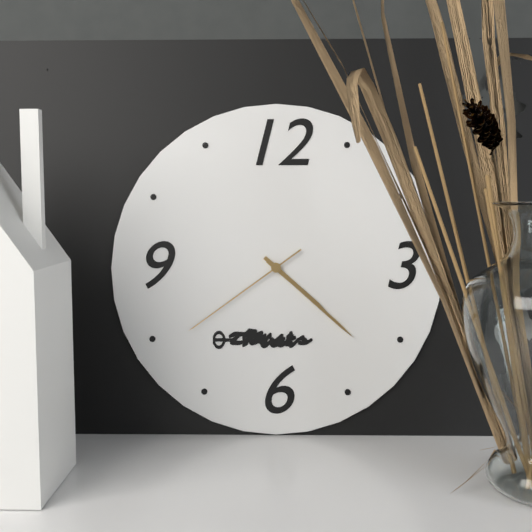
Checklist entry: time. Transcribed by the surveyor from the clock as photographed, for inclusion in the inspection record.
4:22:39
